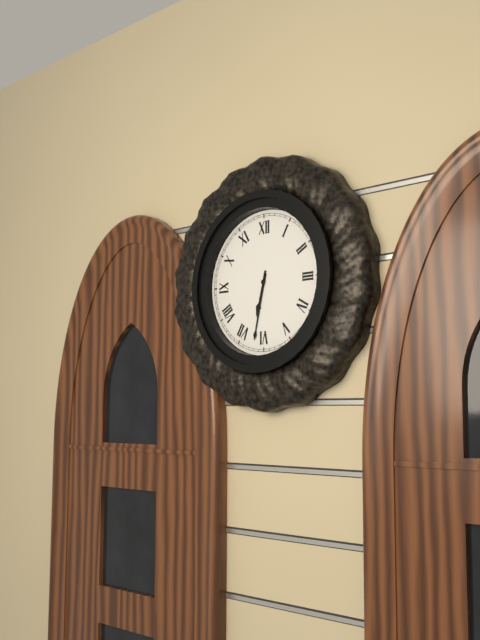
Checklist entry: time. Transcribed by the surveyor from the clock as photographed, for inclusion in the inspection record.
6:32
